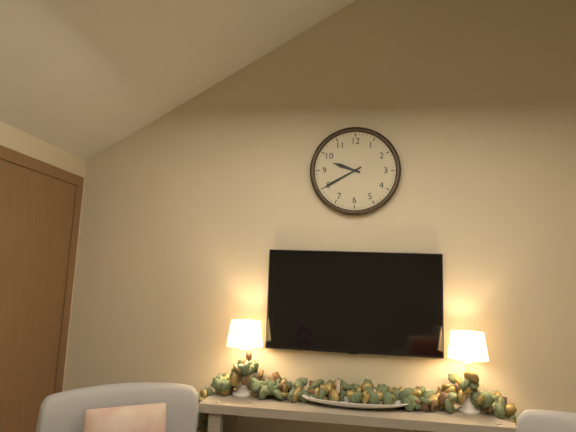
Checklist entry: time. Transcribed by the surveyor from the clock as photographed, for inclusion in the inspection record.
9:40
